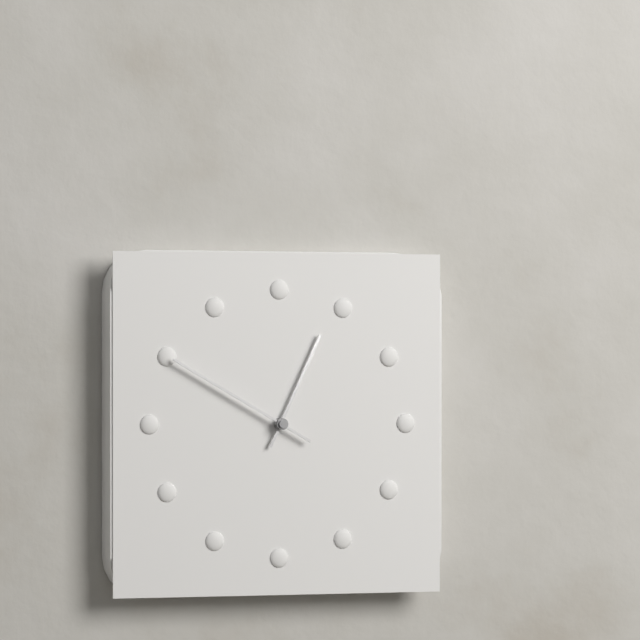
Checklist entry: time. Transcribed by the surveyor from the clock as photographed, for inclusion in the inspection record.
12:50
